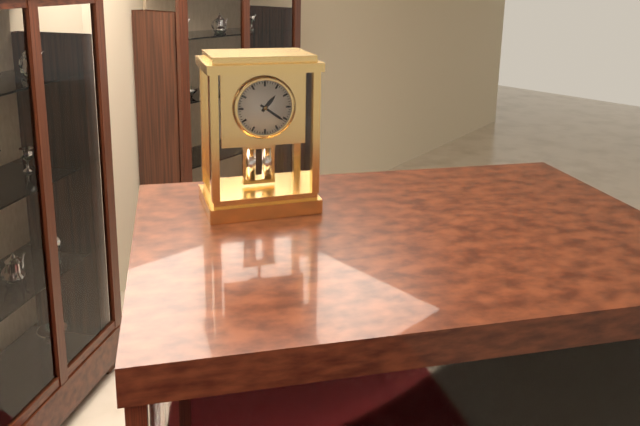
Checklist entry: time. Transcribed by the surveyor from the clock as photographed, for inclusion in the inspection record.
1:21
